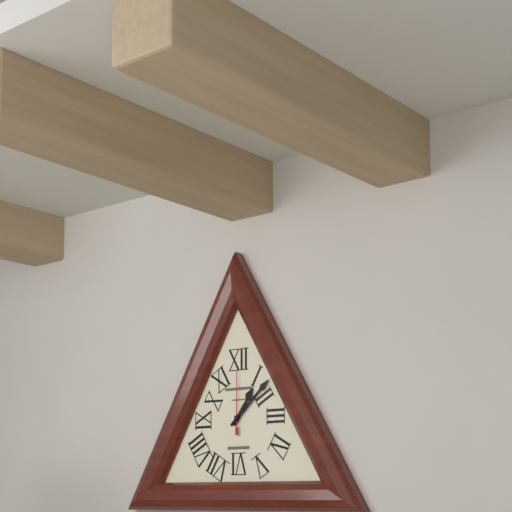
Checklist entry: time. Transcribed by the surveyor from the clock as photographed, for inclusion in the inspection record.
1:08:00
